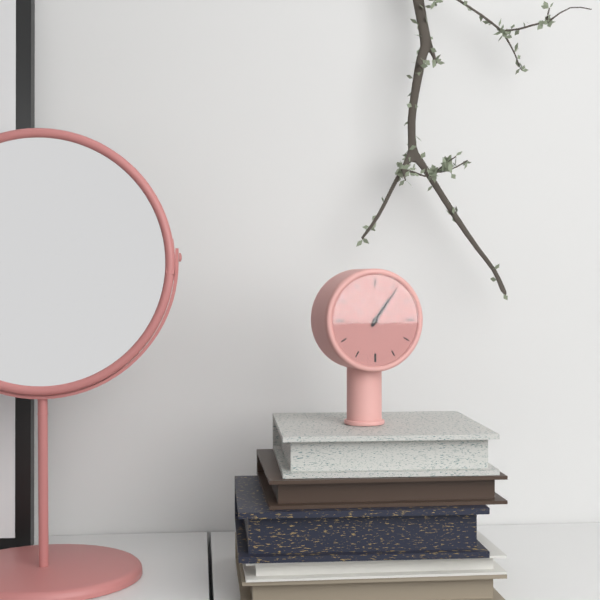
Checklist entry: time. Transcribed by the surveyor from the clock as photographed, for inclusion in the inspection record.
1:06
